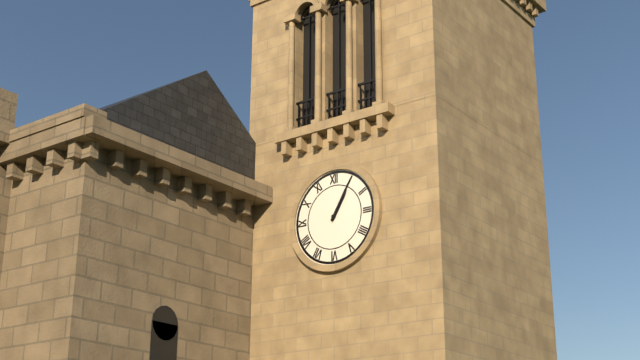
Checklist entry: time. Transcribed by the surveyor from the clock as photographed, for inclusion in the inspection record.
1:05
